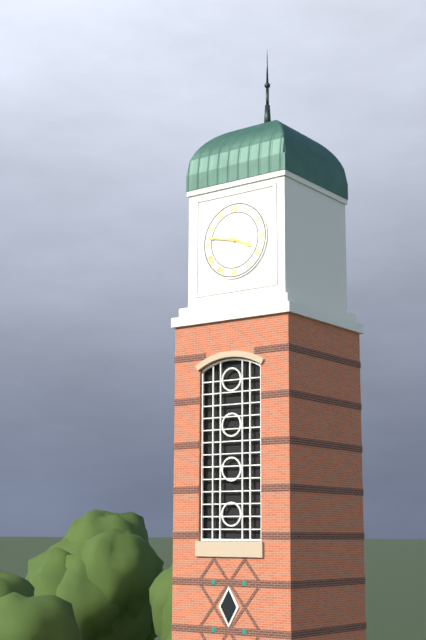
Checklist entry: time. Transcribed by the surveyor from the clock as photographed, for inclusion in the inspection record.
3:47
